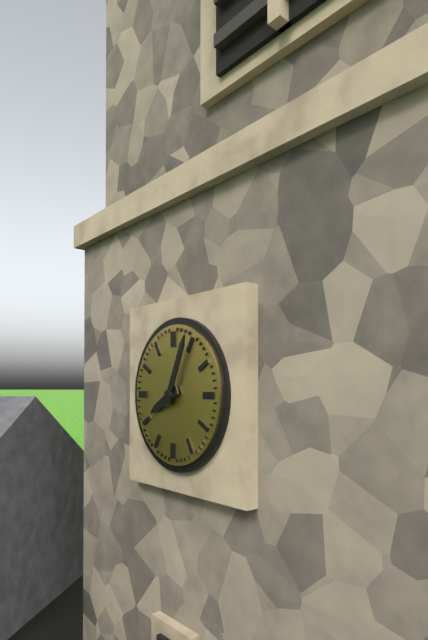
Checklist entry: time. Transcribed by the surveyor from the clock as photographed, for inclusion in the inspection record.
8:04
